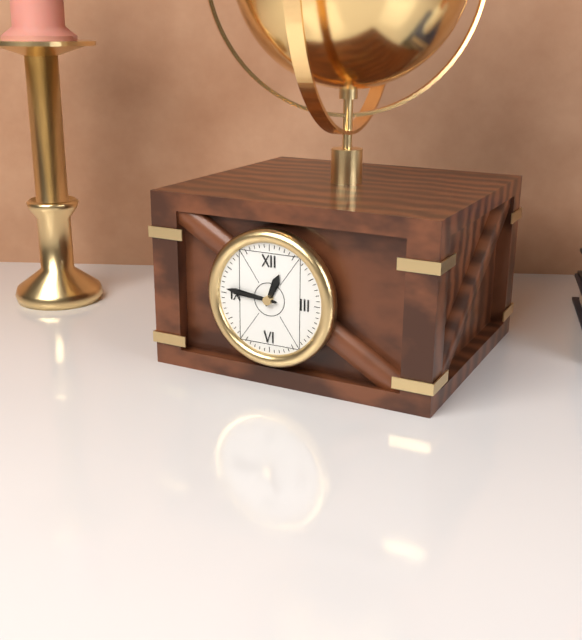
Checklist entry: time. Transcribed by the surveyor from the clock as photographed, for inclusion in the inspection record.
12:46
